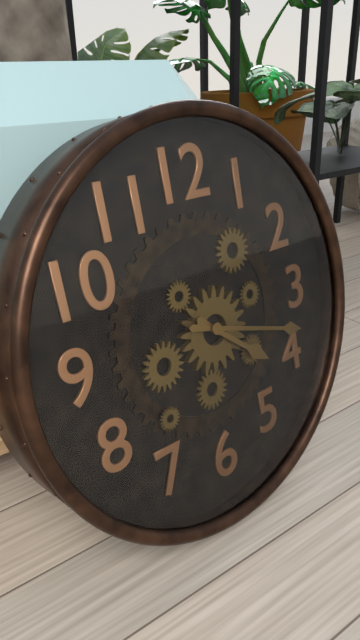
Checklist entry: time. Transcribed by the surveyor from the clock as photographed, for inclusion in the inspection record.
4:18
